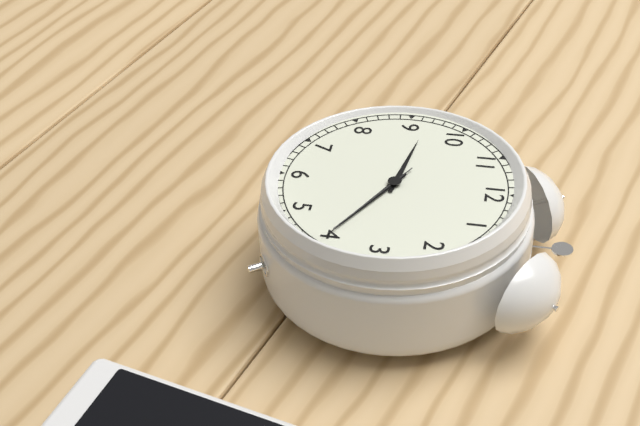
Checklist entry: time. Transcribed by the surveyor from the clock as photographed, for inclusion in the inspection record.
9:20:20
